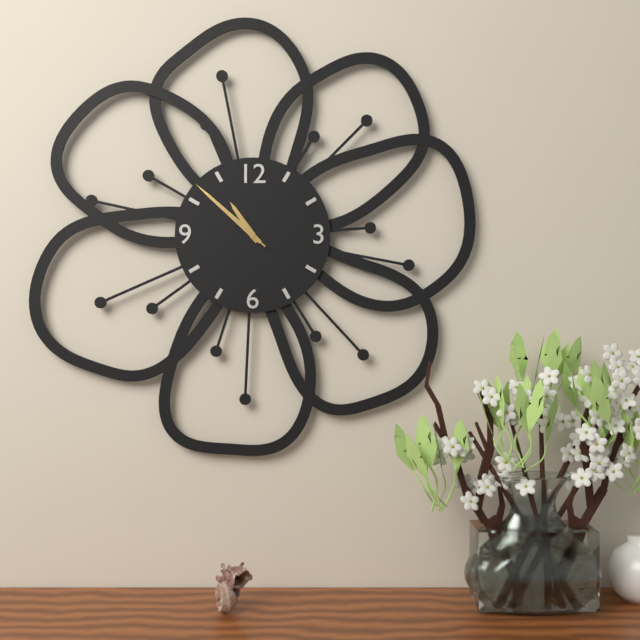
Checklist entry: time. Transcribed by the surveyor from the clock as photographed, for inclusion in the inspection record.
10:52:52
